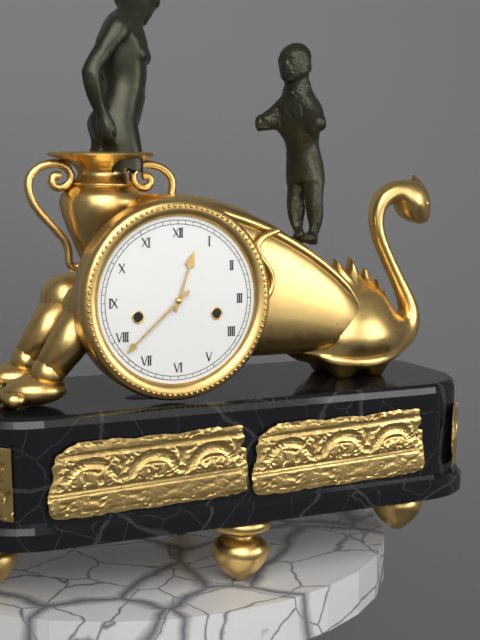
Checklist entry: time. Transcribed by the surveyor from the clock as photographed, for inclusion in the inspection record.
12:38
